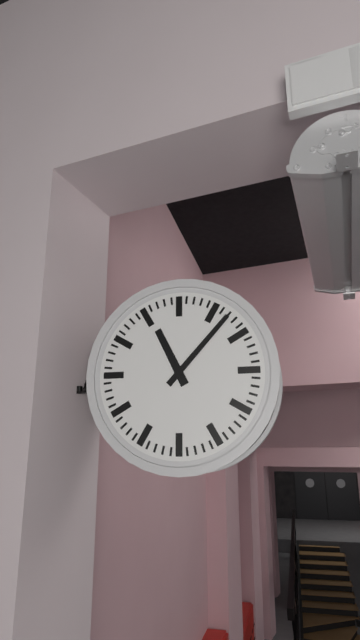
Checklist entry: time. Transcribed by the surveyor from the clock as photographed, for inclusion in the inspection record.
11:07
